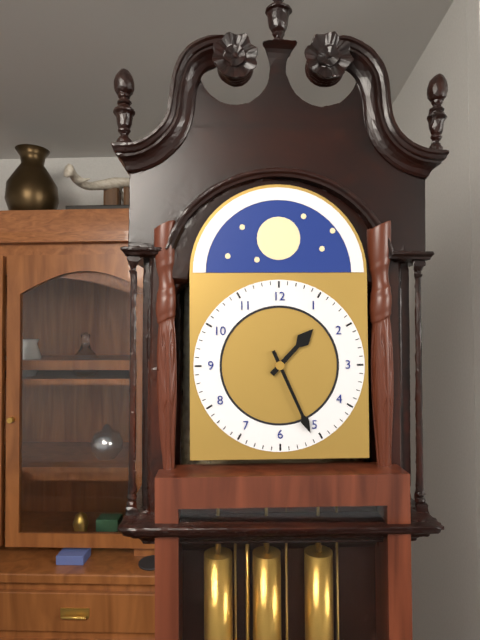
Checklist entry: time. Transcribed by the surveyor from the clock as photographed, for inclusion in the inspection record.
1:26
